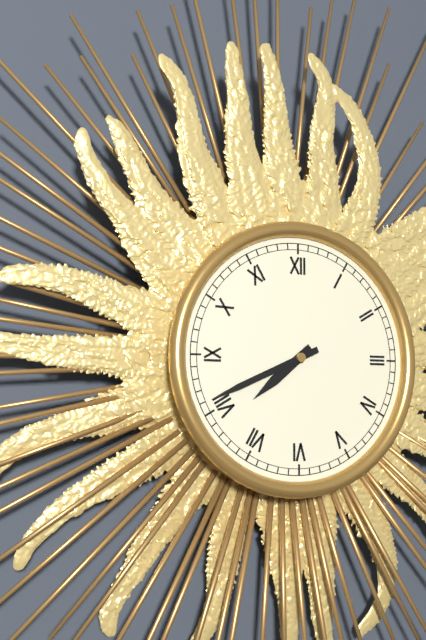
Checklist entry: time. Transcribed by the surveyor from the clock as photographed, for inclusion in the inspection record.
7:41
